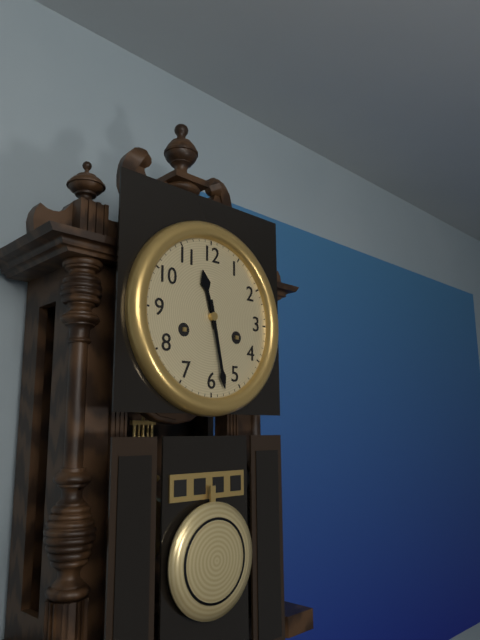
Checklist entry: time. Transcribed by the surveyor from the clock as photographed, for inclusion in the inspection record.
11:28
